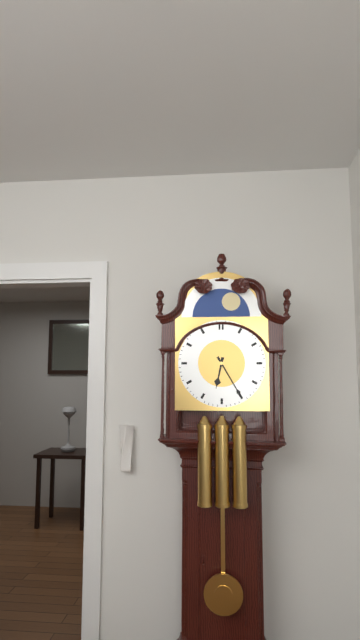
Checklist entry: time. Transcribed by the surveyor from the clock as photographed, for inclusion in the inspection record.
6:25
